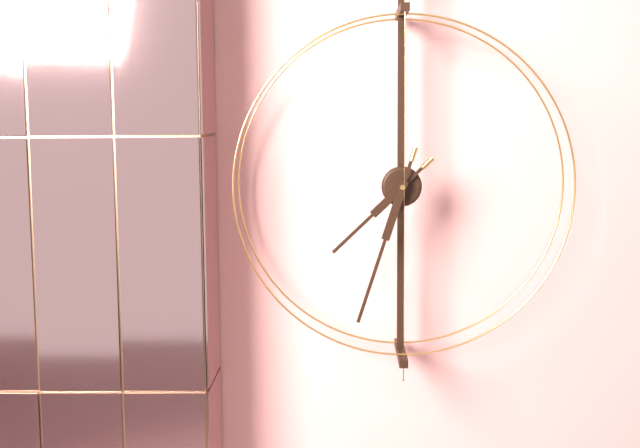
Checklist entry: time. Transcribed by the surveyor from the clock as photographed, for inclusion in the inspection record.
7:33
